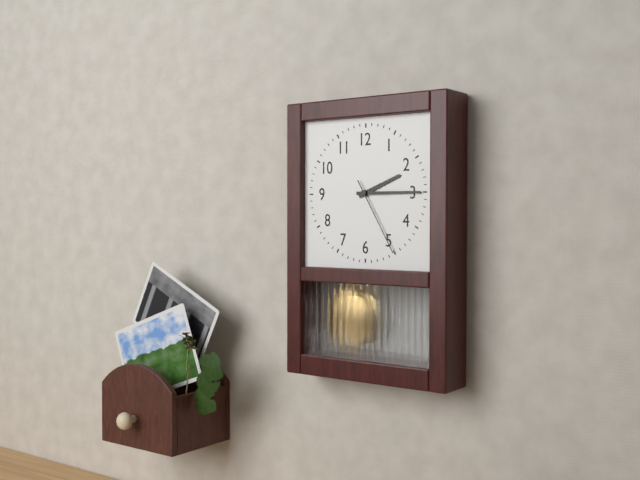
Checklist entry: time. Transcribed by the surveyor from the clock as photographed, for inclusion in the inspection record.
2:15:25
